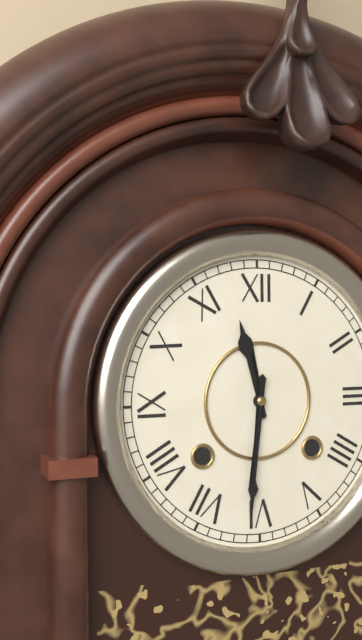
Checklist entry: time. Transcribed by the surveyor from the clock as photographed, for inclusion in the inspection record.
11:31
